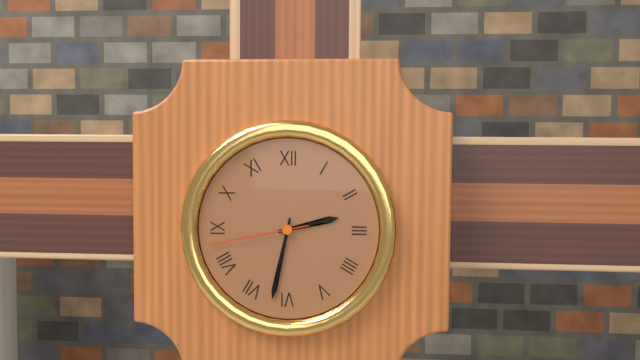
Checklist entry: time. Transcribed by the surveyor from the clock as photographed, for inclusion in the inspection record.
2:32:43
